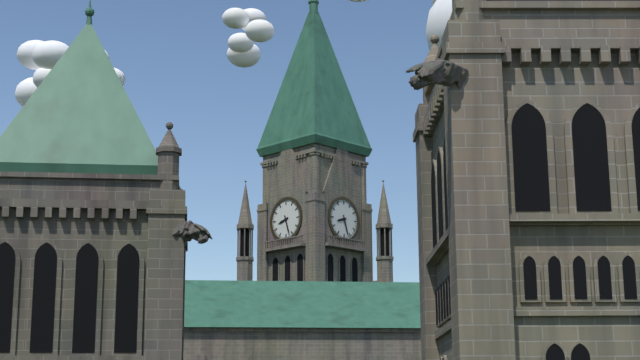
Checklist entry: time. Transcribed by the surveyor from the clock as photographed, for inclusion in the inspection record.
8:27
